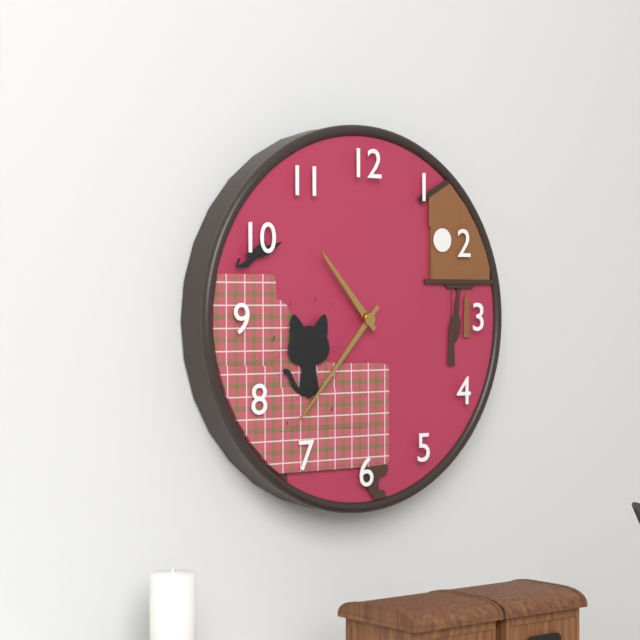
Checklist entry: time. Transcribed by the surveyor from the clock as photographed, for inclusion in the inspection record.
10:37
